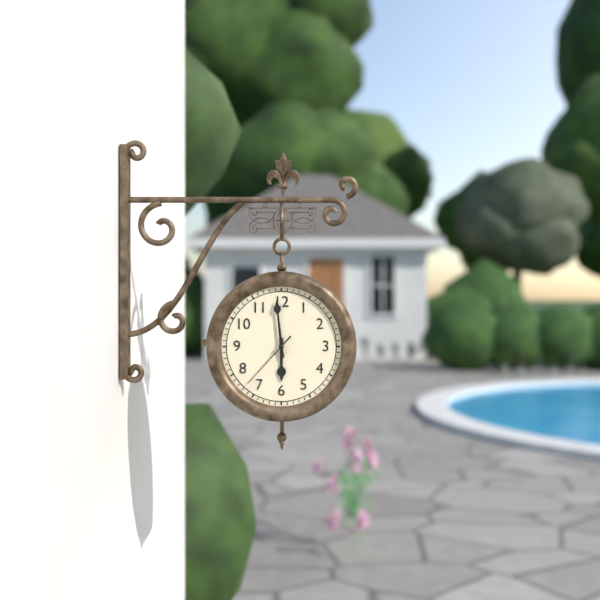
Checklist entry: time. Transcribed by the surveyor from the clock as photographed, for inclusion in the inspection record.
5:59:37
